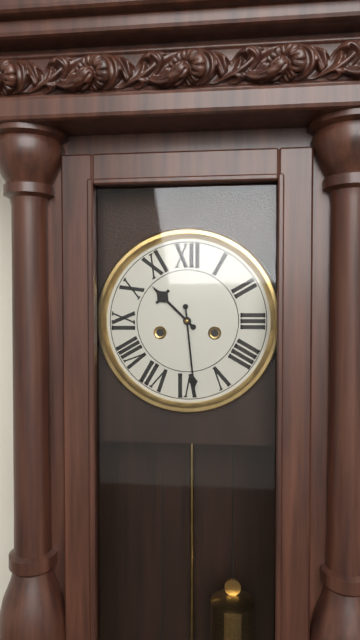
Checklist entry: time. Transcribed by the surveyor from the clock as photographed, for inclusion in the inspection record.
10:29
